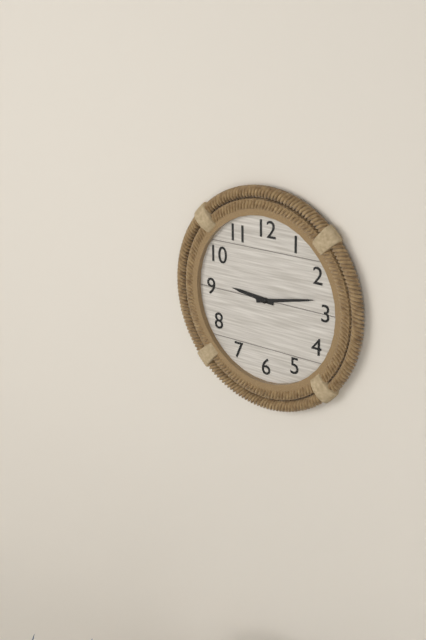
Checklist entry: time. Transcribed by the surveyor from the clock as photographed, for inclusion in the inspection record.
9:13
